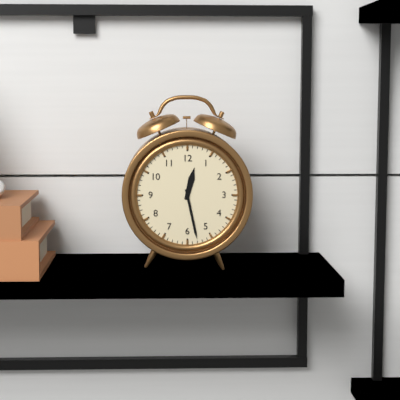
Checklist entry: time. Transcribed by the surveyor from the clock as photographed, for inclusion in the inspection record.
12:28
